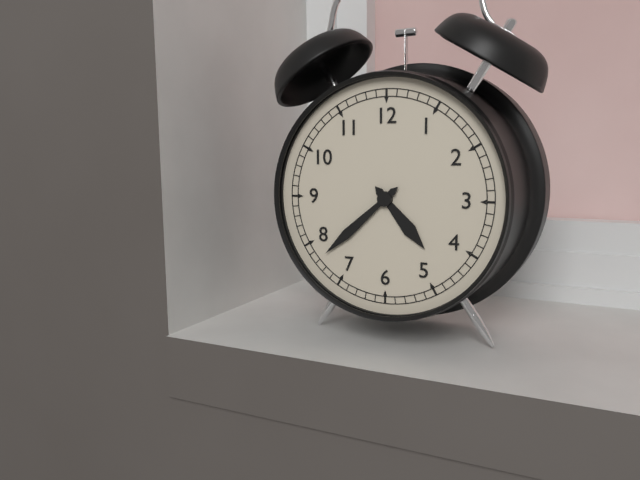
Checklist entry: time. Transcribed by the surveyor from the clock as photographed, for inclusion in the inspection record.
4:38
